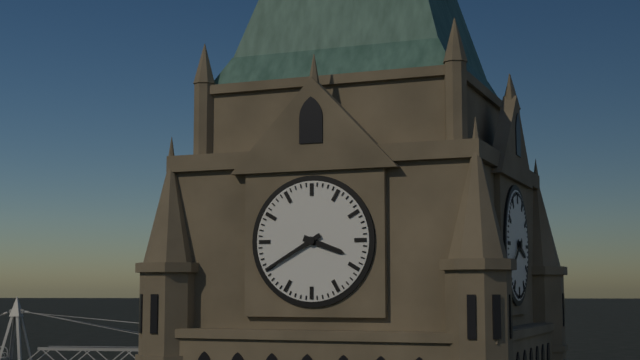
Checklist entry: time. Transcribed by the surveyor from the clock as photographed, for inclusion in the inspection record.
3:40
